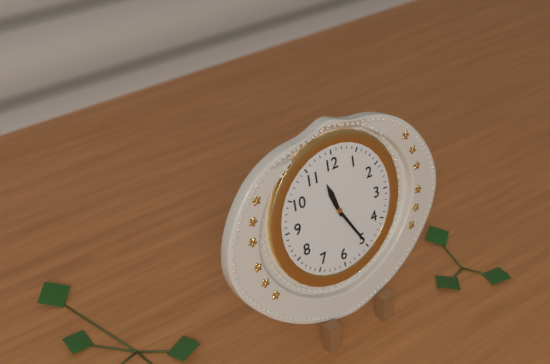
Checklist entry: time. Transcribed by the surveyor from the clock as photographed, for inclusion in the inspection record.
11:25
